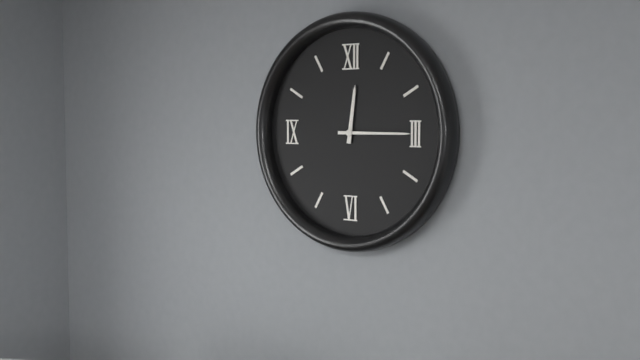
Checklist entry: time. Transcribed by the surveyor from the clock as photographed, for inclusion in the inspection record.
12:15
